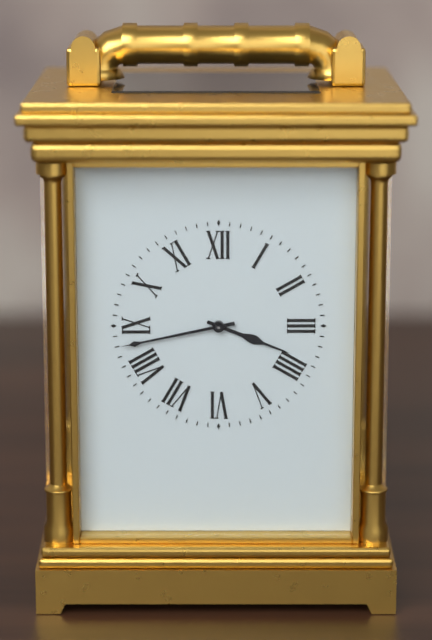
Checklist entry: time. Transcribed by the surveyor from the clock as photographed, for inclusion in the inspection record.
3:43
